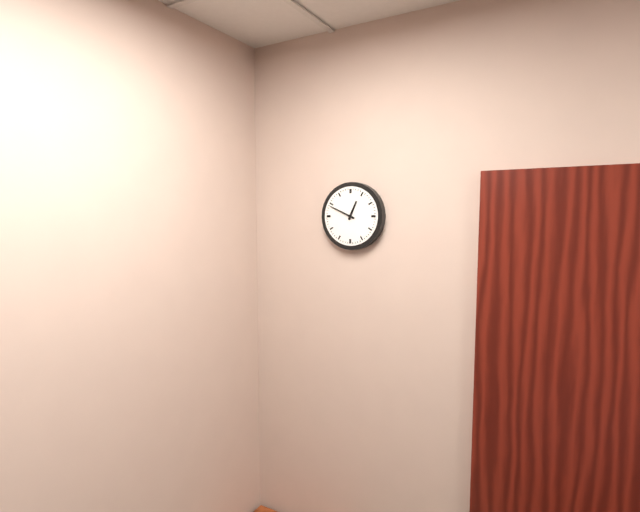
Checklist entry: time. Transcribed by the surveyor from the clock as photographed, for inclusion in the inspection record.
12:49
